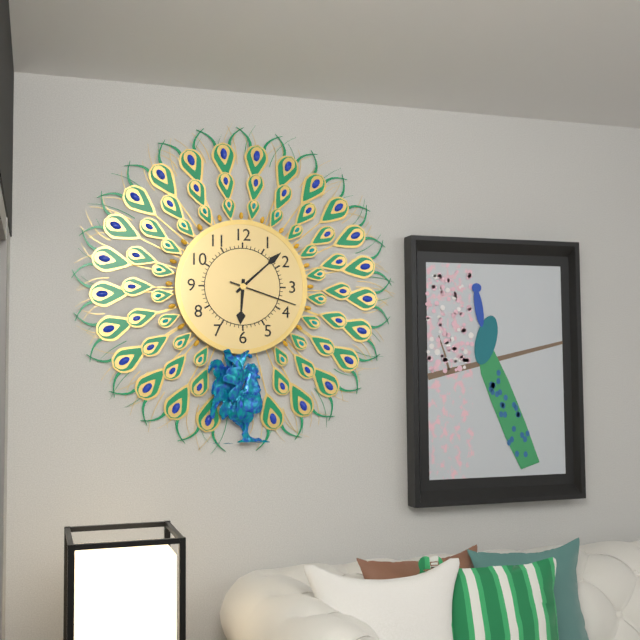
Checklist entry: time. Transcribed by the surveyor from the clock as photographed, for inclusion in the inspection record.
6:08:18
